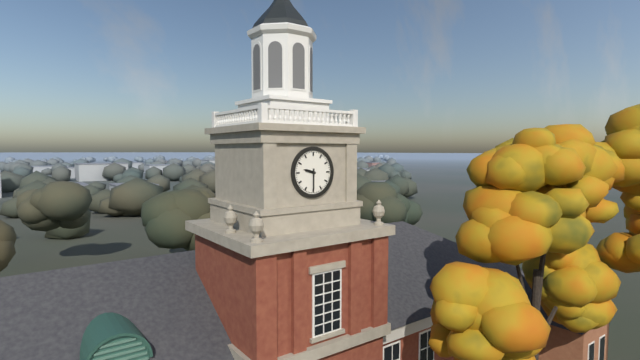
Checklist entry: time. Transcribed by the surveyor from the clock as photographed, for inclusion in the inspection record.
9:30
